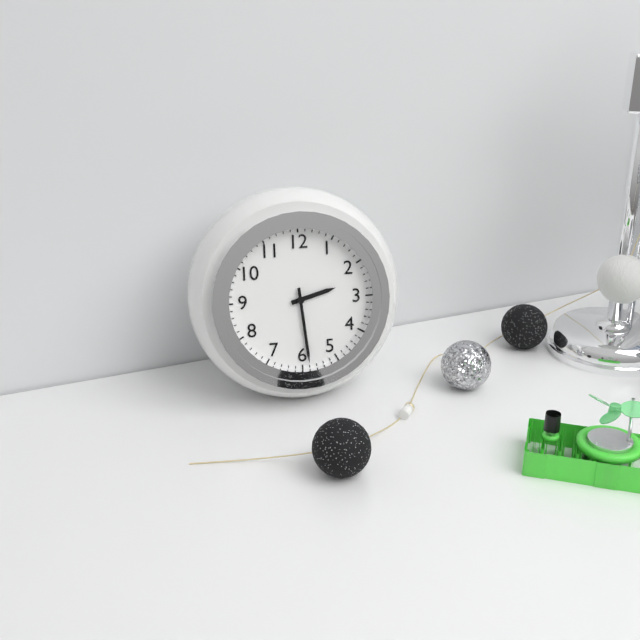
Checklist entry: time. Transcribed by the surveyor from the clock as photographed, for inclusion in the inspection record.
2:29
